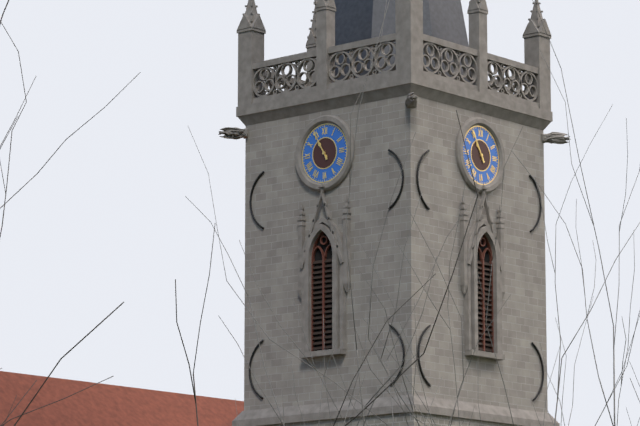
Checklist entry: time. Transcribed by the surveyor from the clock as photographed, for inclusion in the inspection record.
10:55
